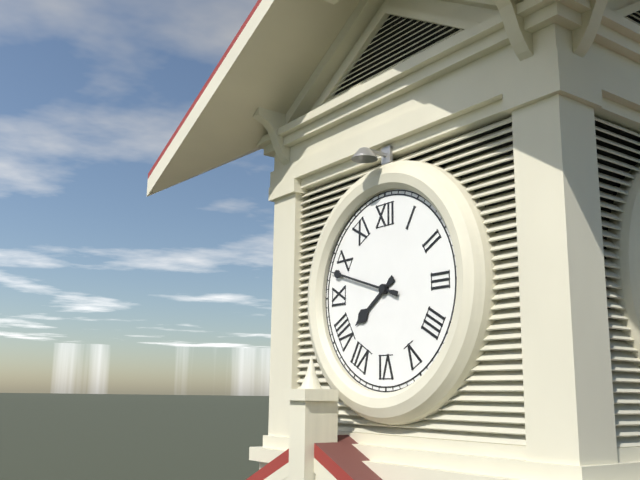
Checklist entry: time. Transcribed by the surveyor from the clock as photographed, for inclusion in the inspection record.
7:48
